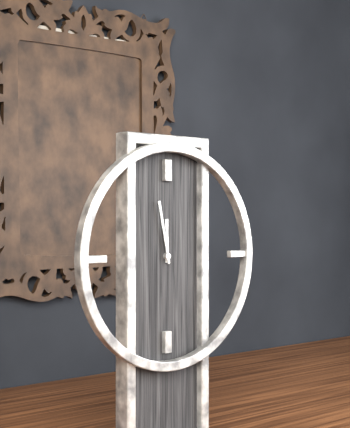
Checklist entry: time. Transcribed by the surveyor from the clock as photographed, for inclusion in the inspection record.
11:58
